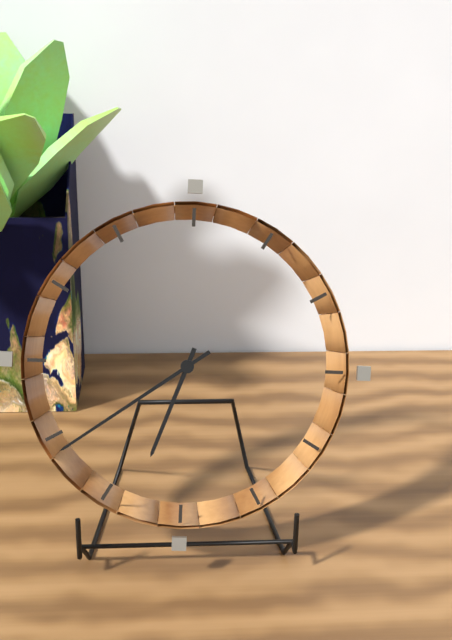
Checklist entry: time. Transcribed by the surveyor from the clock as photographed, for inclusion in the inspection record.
6:39
